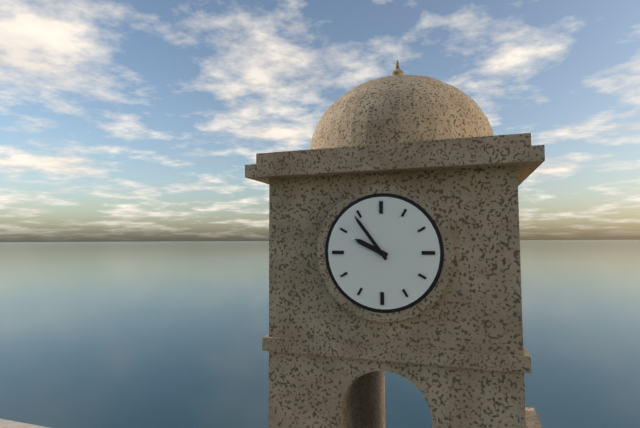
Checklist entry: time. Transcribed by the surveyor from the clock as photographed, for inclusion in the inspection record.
9:54
